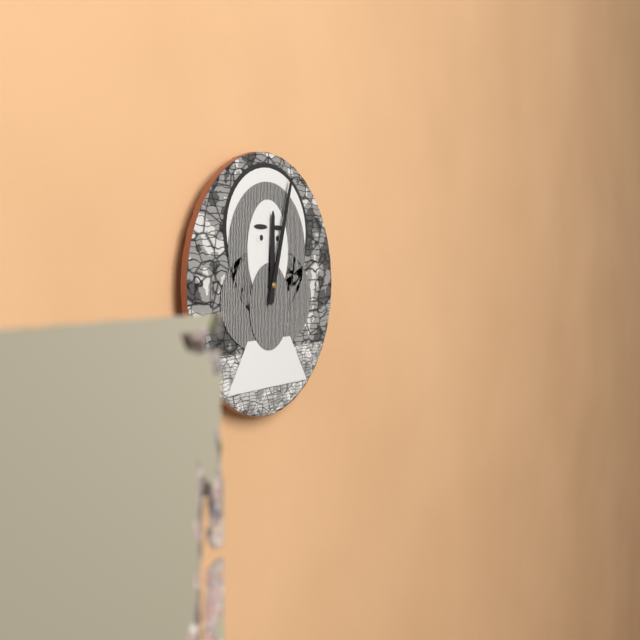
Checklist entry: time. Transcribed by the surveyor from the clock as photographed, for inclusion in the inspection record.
12:03
